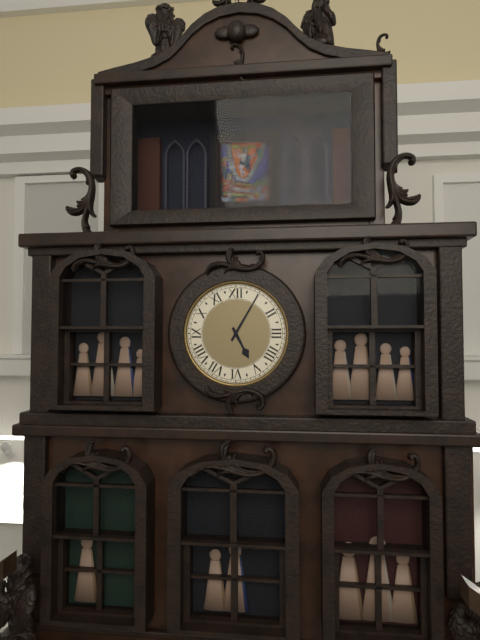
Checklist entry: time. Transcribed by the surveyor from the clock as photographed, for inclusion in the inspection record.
5:05
